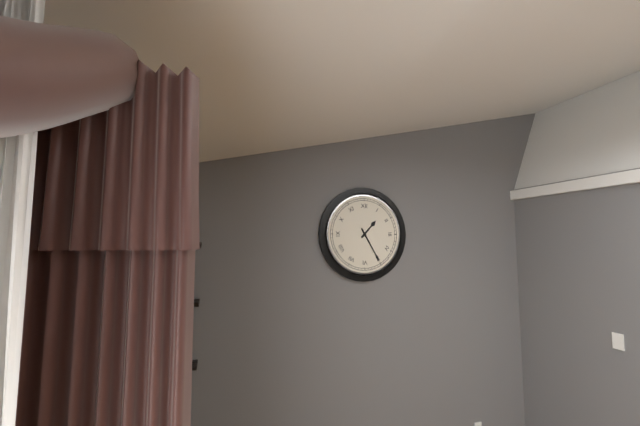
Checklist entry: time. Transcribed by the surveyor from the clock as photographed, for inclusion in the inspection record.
1:25
